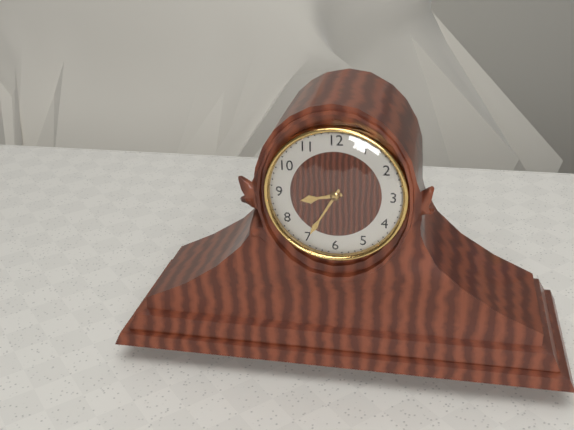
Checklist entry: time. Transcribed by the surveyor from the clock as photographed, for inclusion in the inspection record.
8:35
